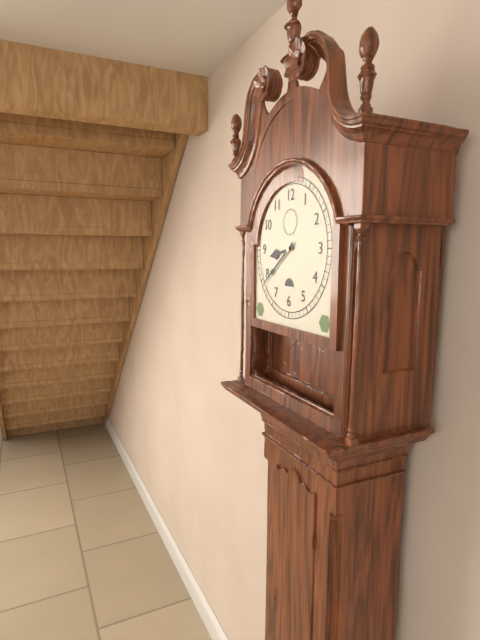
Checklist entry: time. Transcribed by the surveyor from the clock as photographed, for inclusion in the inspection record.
8:39
